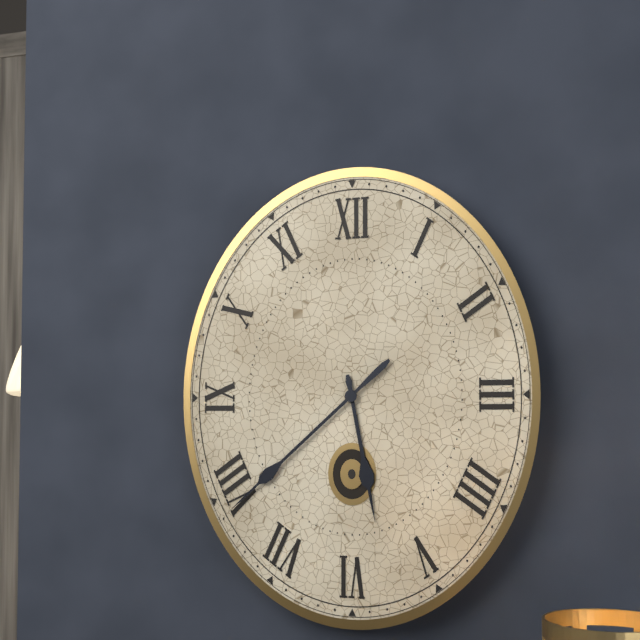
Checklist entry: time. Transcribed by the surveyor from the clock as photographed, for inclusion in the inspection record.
5:38
